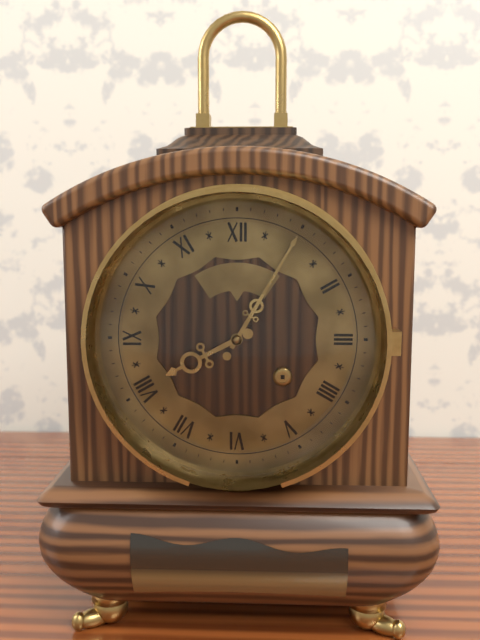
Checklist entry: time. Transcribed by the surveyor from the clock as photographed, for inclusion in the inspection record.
8:05
